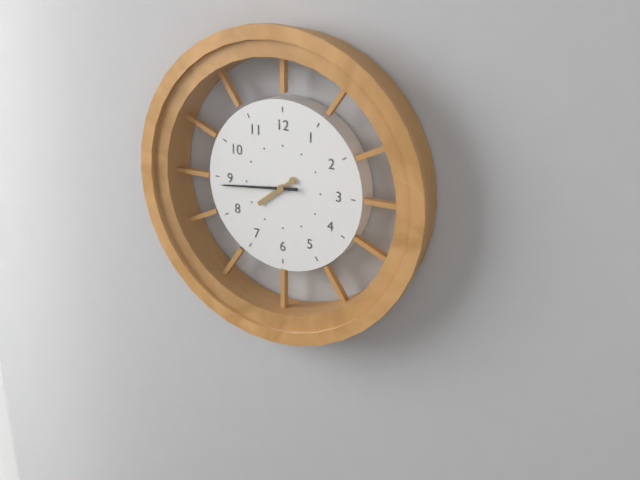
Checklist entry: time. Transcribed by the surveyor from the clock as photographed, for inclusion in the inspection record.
7:44
